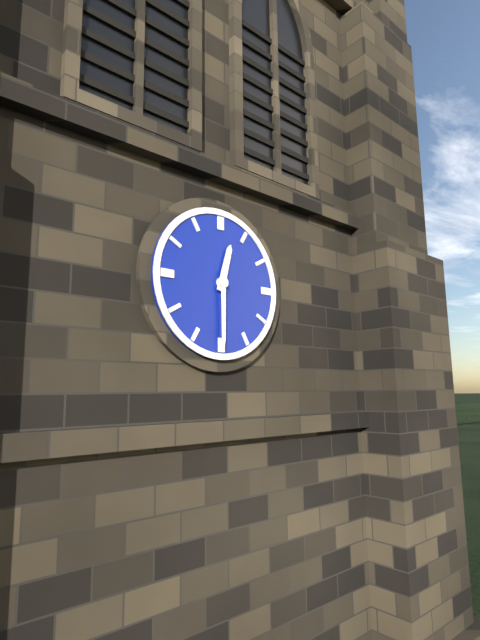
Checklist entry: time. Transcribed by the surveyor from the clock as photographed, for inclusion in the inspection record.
12:30
